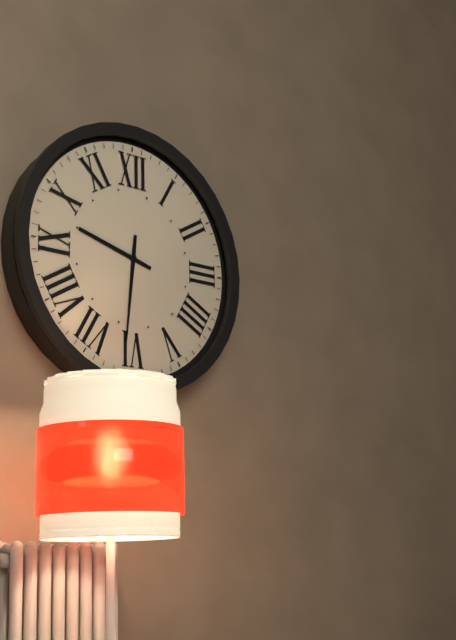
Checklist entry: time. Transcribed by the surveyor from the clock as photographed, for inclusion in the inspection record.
9:31
